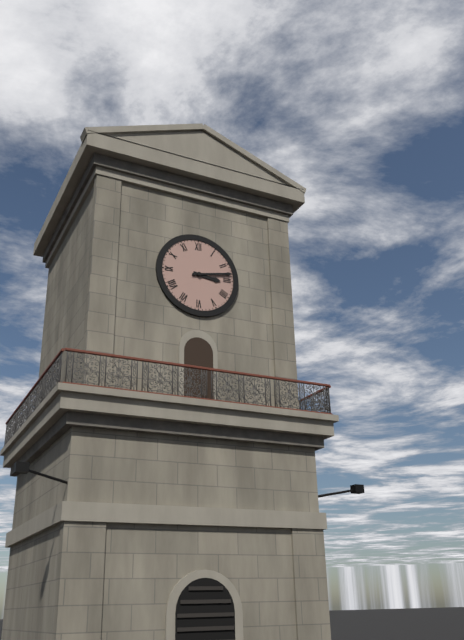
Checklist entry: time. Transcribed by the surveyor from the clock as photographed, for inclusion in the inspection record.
3:13
